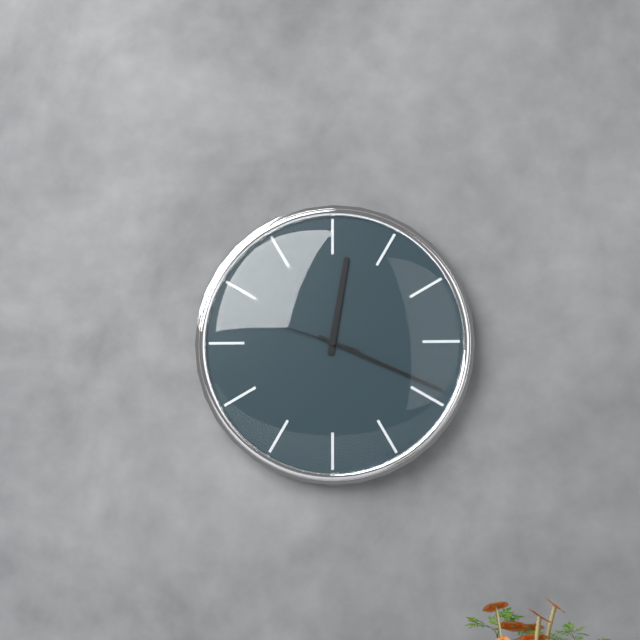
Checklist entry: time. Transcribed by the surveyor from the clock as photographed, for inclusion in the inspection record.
12:19:48
